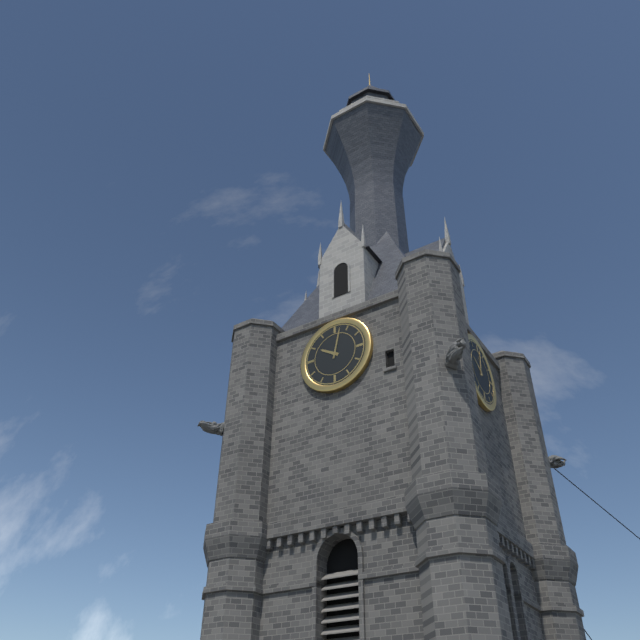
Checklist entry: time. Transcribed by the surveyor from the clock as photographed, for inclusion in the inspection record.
10:02
